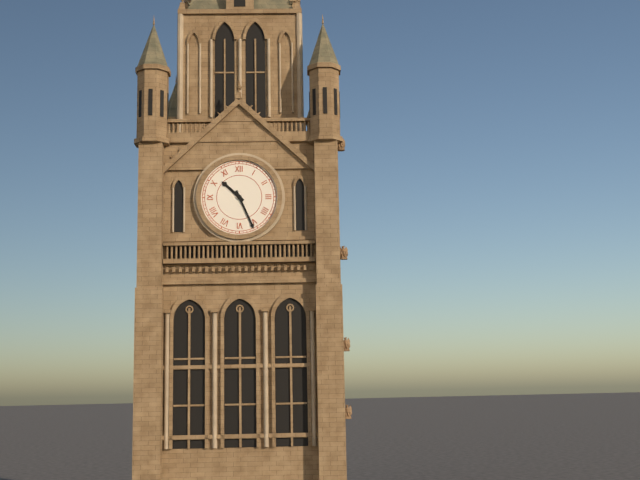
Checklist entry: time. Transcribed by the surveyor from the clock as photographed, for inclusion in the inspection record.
10:26
